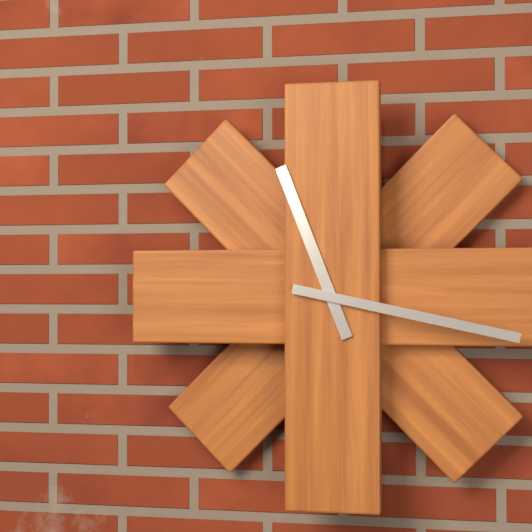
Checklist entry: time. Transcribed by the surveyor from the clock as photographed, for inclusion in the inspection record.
11:17
